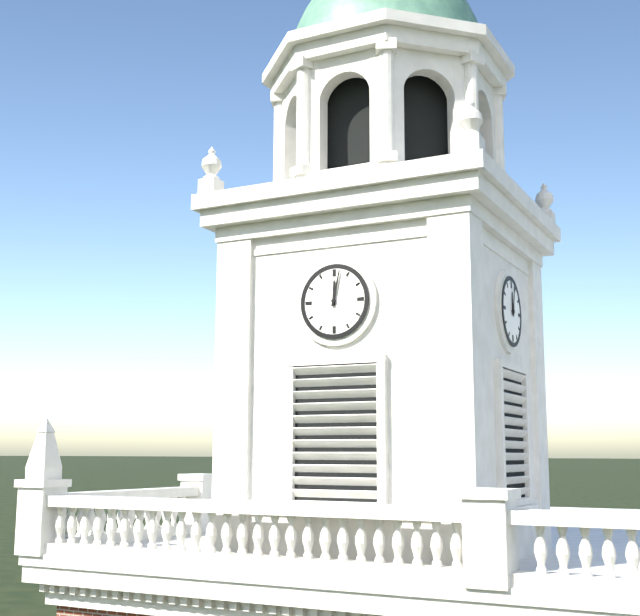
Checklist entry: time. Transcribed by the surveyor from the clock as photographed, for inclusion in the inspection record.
12:02
